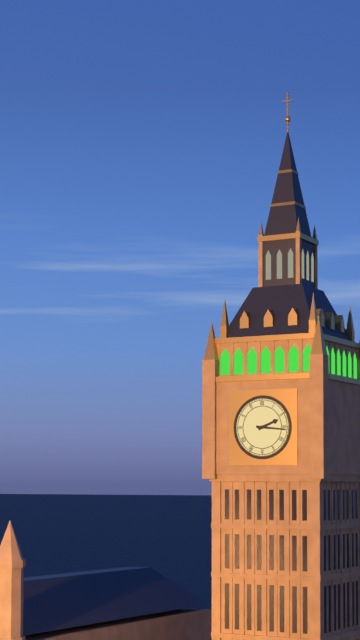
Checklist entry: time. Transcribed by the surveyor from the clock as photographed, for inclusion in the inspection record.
2:16
